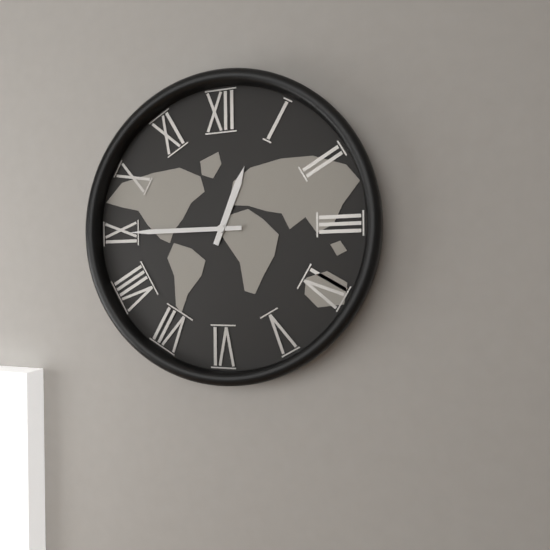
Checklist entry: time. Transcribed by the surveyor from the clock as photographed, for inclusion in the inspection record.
12:45
